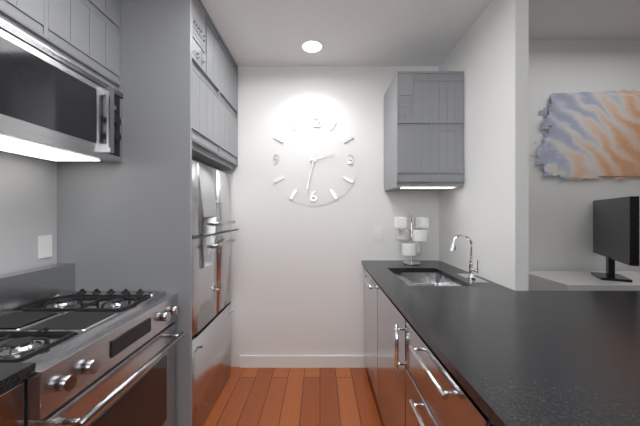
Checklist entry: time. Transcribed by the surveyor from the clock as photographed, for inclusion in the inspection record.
2:32
